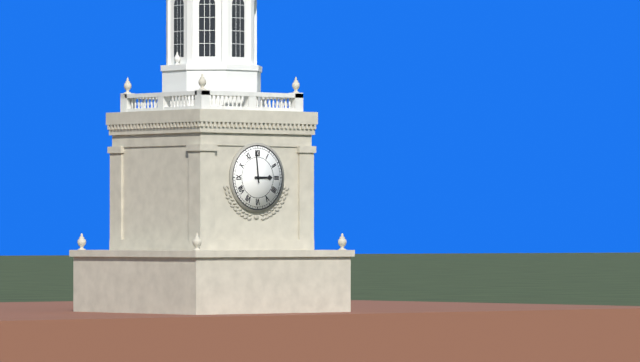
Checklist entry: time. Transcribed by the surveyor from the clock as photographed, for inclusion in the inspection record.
2:59
